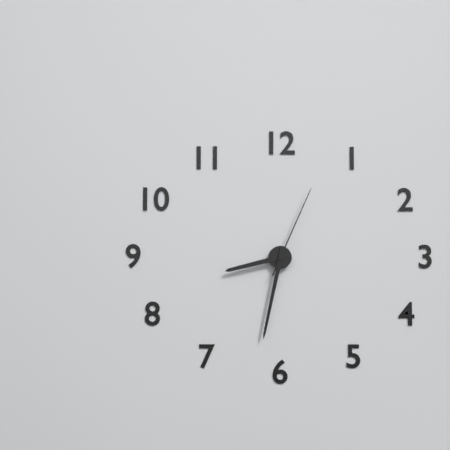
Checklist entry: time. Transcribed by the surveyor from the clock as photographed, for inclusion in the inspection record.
8:32:04
